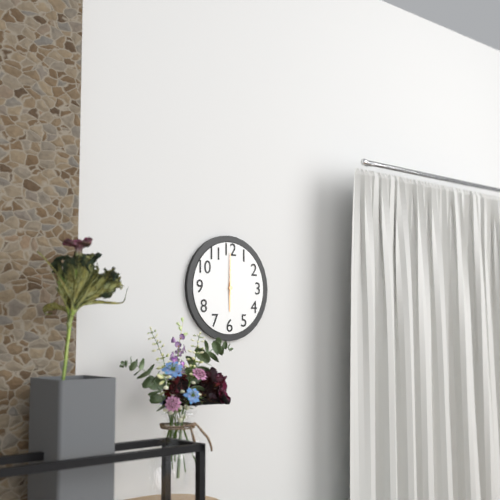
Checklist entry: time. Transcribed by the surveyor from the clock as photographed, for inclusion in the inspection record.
6:00
